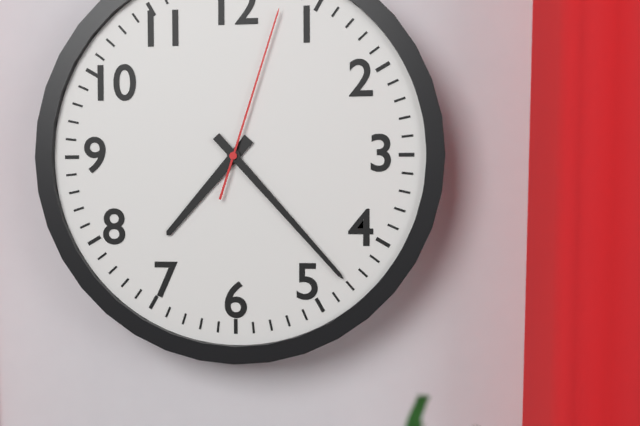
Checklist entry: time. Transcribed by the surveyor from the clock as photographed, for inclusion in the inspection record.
7:23:03
